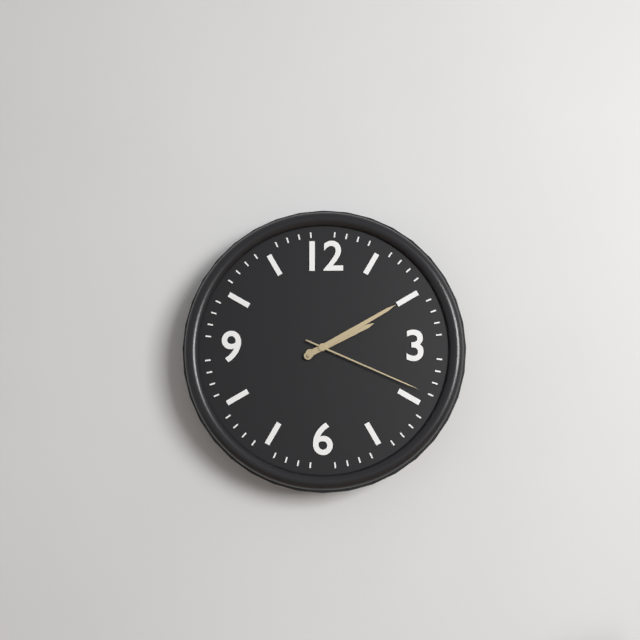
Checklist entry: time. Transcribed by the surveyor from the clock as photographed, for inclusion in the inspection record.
2:10:19
